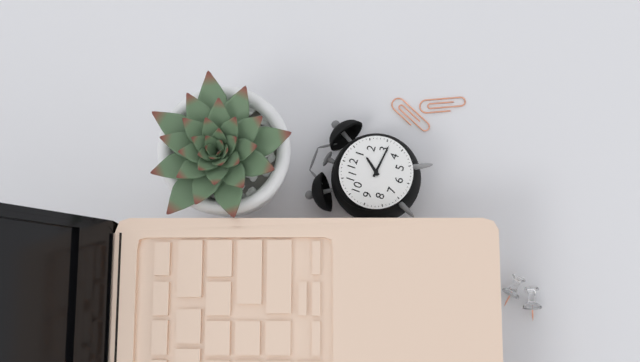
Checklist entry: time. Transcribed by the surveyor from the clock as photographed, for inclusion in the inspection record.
1:16
